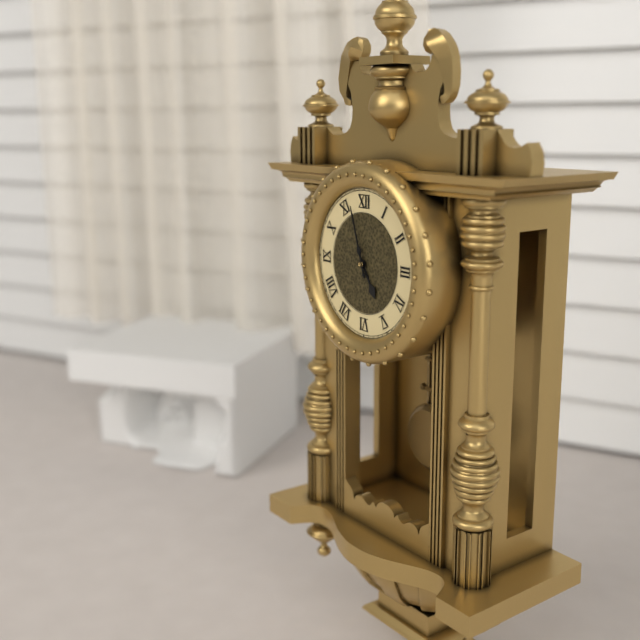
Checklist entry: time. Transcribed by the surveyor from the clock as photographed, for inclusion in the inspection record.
4:57
